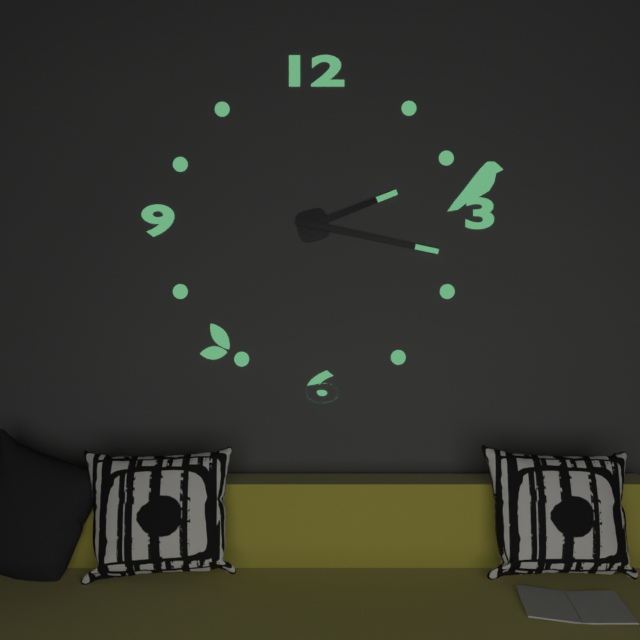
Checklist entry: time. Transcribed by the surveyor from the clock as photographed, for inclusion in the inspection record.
2:17
